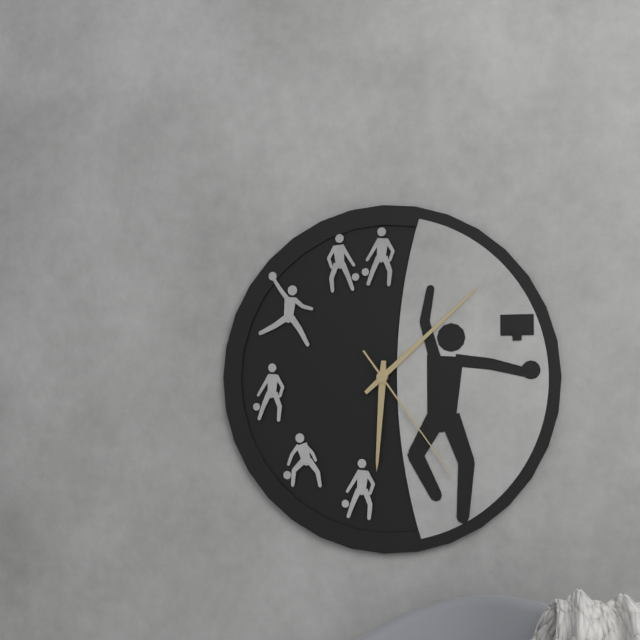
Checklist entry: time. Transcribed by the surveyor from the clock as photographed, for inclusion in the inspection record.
6:08:24
